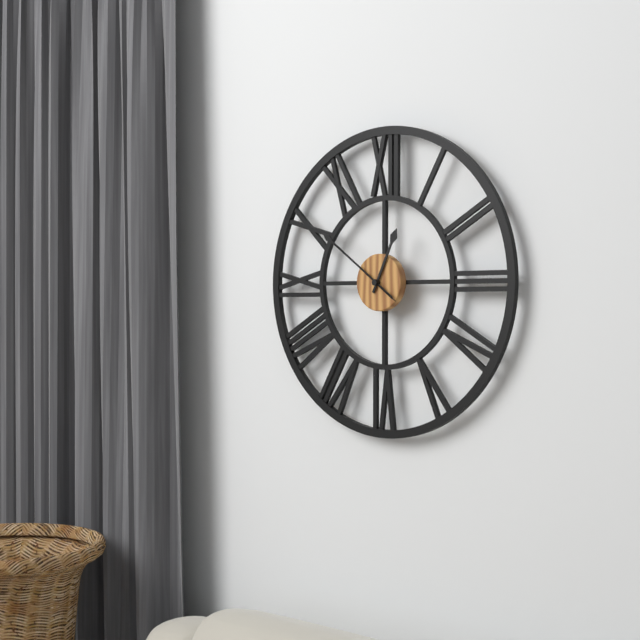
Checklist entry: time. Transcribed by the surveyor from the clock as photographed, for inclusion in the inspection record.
12:51
